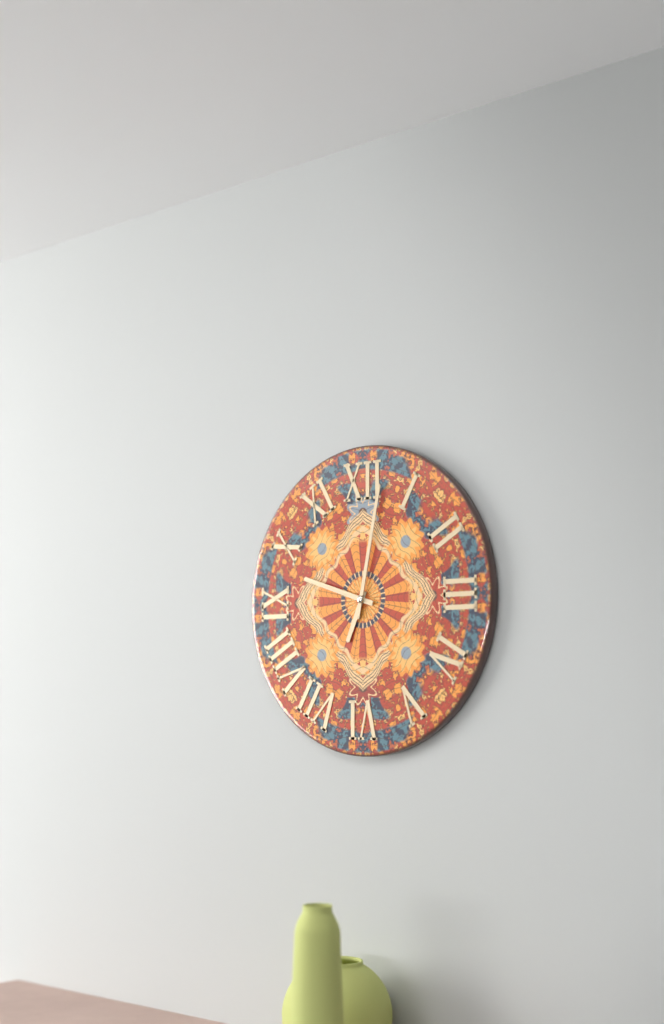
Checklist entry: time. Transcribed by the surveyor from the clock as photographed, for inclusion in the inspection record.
6:48:02
